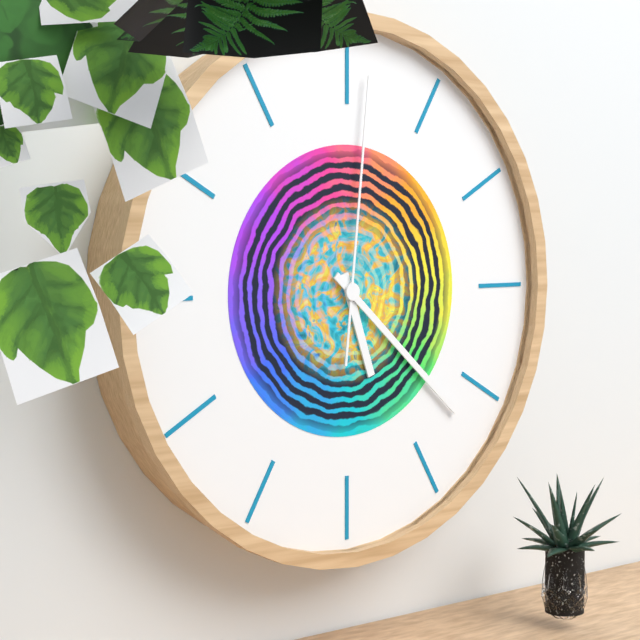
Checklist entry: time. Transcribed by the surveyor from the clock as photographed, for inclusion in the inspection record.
5:22:01
